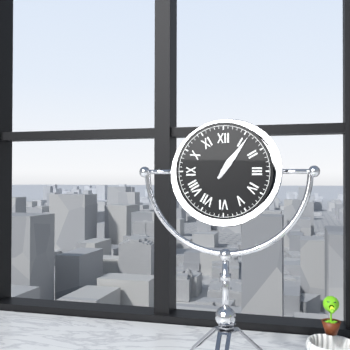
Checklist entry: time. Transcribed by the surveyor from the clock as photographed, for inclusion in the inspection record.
1:06
